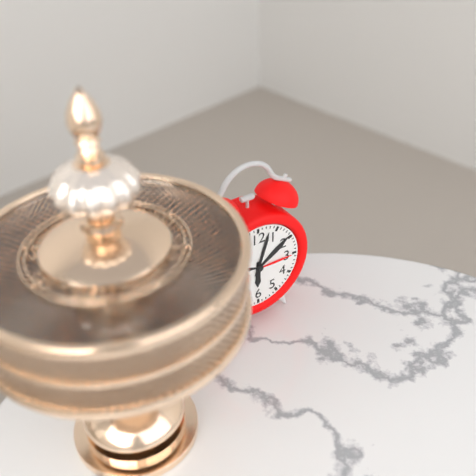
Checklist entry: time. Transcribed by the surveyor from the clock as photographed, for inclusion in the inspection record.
6:03
